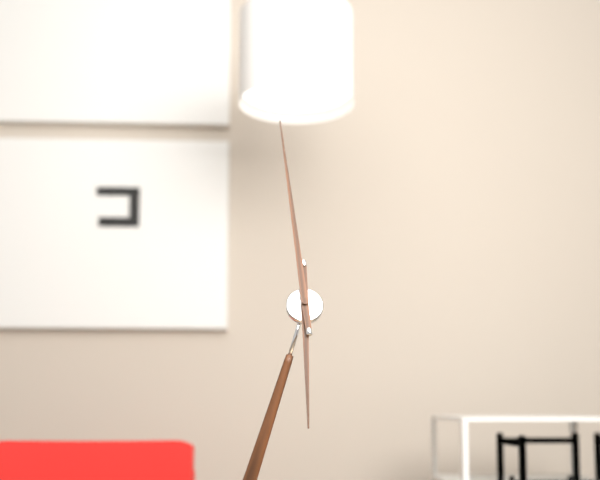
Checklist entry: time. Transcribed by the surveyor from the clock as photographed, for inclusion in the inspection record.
5:59
